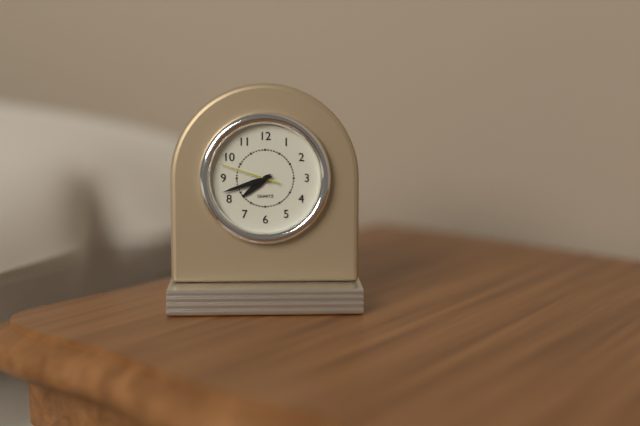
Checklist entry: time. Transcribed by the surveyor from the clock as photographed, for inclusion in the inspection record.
7:42:48
